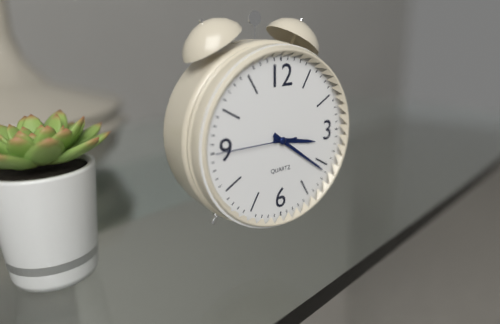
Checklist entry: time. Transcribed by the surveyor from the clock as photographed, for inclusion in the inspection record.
3:21:45
